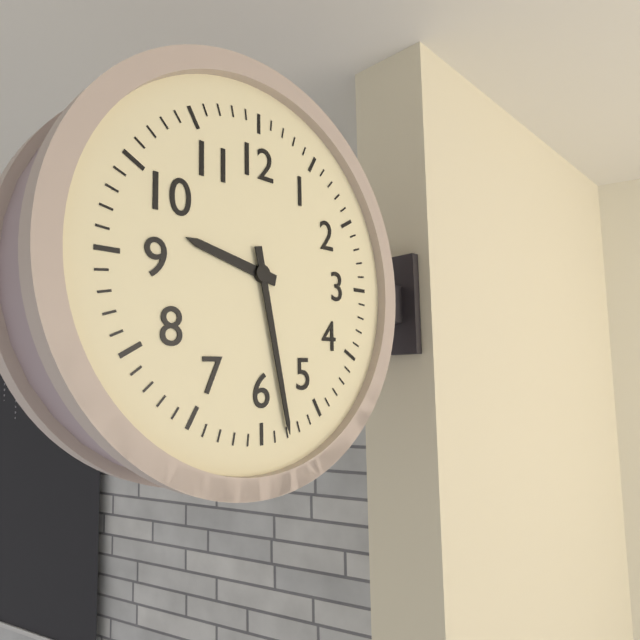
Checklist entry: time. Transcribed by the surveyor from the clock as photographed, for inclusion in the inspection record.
9:28
